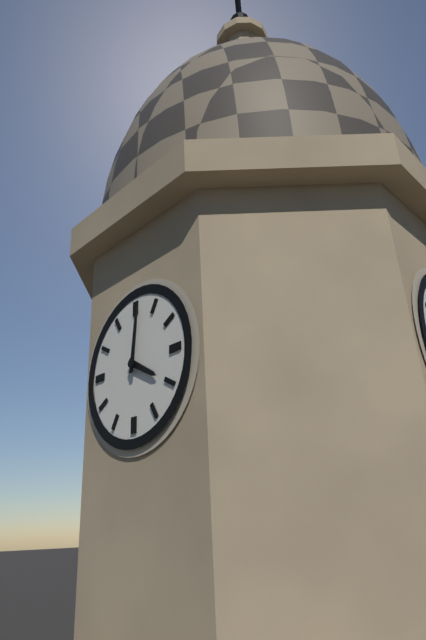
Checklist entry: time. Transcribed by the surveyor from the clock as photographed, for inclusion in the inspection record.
4:01
